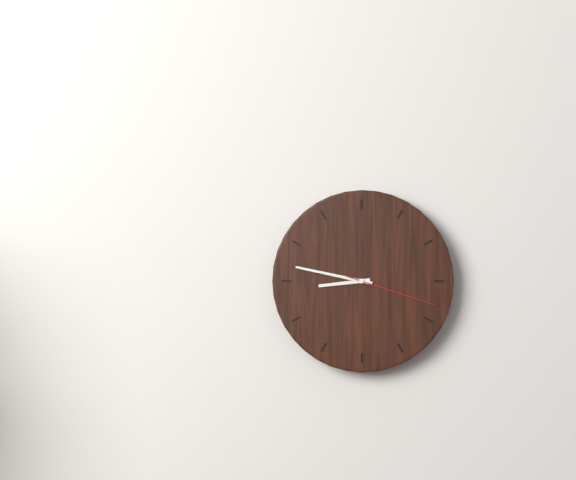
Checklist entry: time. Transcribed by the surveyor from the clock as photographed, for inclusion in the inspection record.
8:47:18
